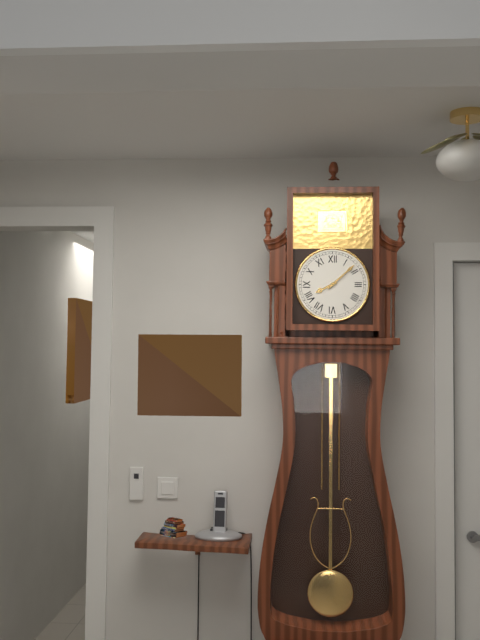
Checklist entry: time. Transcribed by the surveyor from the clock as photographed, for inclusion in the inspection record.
8:08
